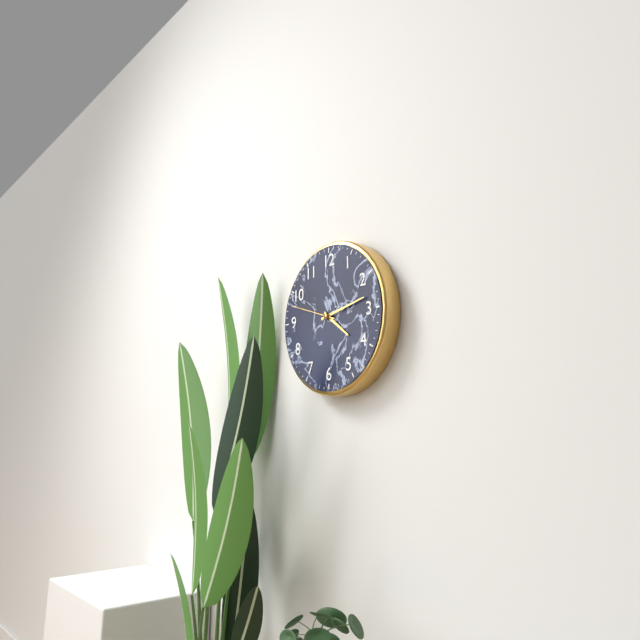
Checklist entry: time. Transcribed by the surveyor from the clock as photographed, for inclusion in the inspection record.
4:13
